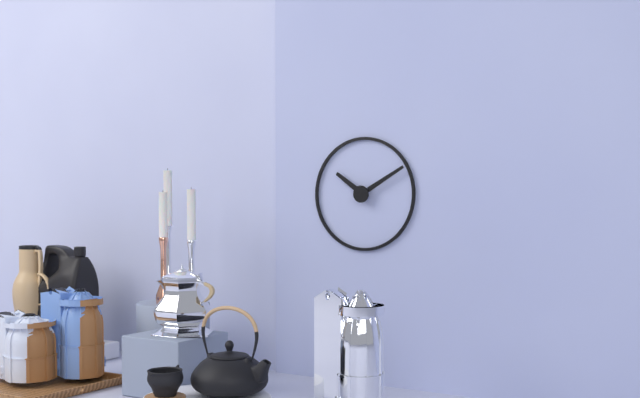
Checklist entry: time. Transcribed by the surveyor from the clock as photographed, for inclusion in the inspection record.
10:10
